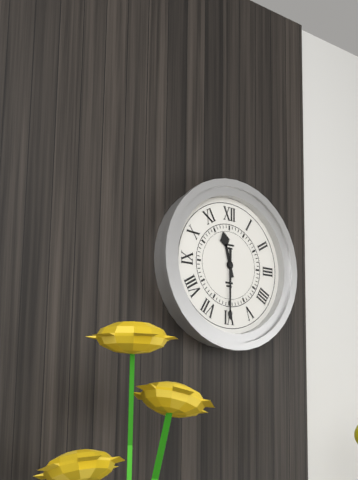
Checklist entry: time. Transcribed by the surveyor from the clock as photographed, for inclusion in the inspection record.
11:30
